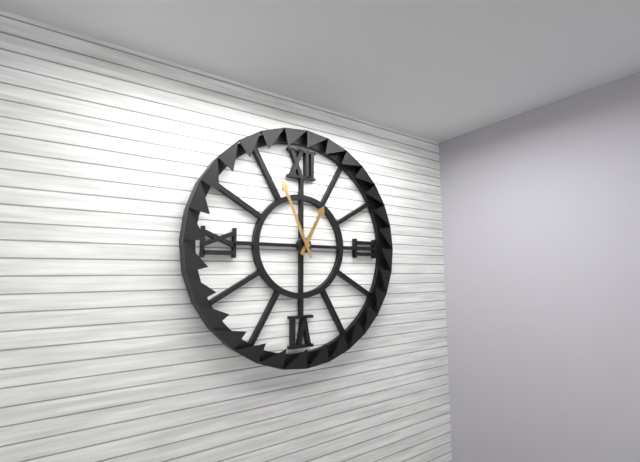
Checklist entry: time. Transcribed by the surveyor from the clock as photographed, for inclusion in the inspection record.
12:56
